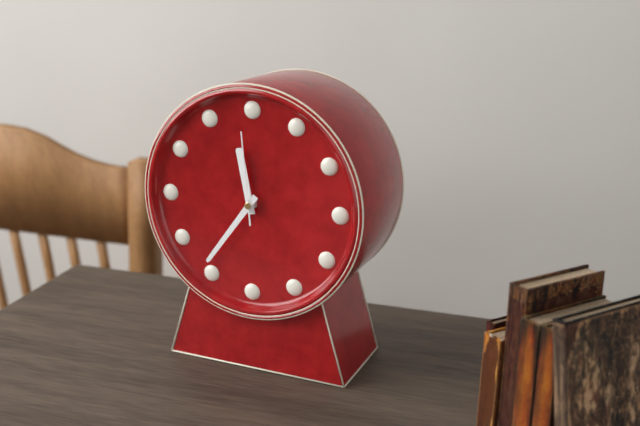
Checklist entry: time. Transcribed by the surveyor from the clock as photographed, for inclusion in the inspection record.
11:36:59
